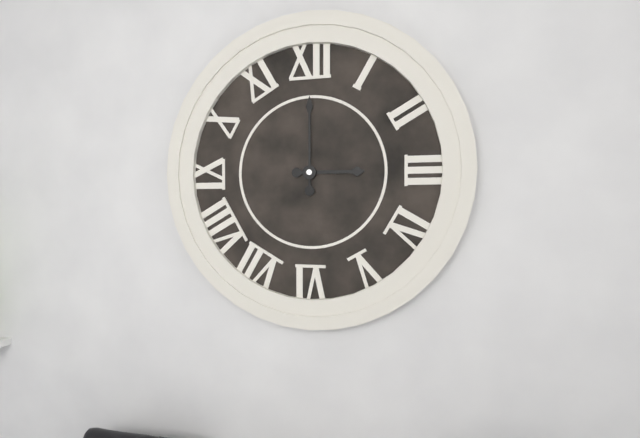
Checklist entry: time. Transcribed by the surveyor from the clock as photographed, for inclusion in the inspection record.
3:00
